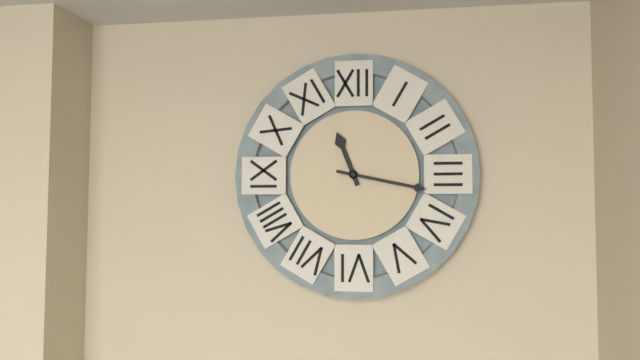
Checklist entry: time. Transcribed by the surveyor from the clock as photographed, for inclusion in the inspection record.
11:17
